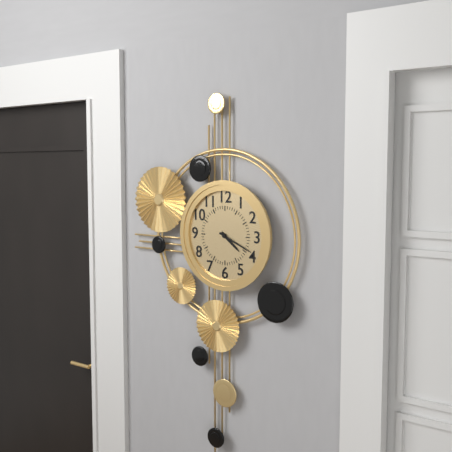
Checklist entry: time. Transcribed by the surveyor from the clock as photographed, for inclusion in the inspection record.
4:19
